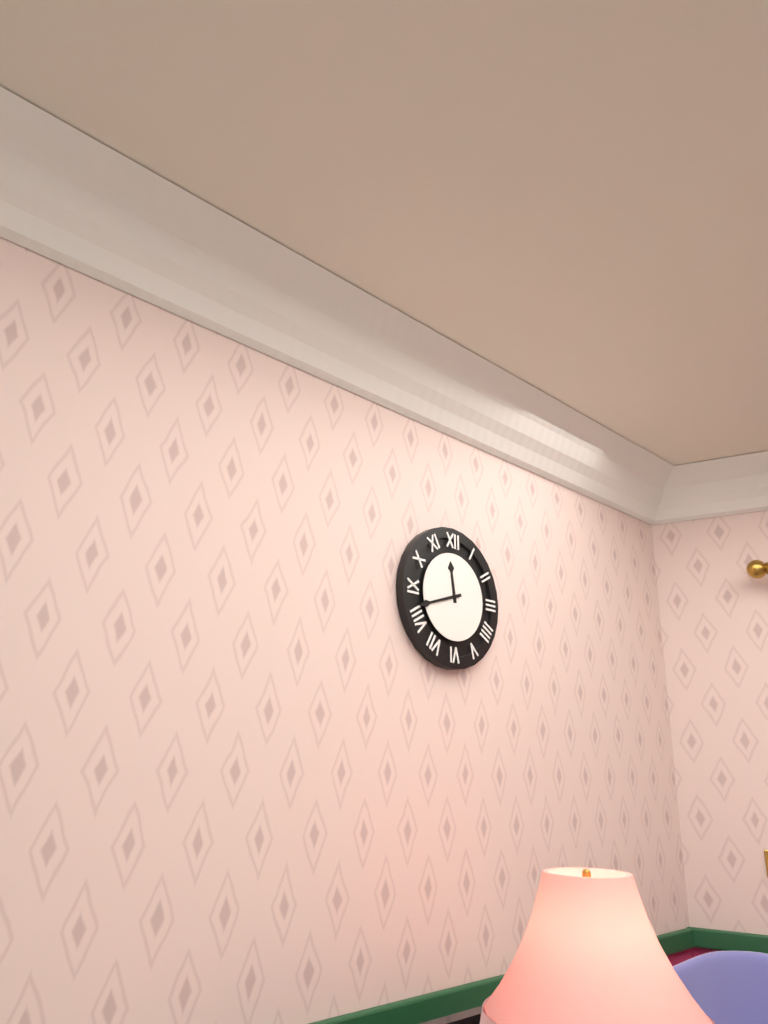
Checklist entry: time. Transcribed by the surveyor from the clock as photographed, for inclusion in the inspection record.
11:42
